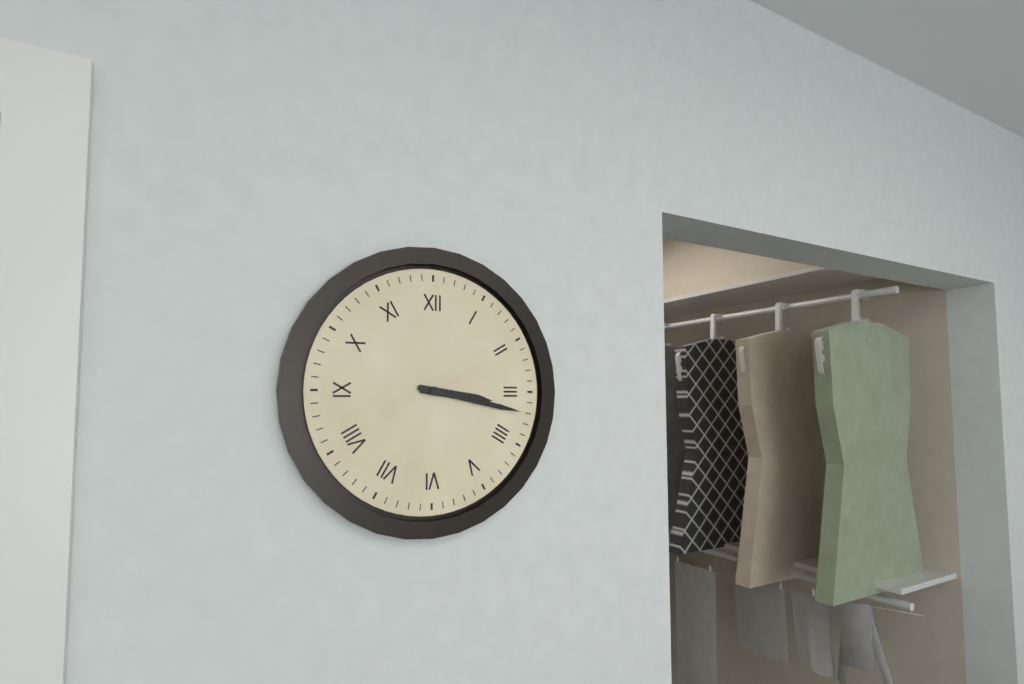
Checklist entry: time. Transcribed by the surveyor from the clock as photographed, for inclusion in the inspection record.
3:17
